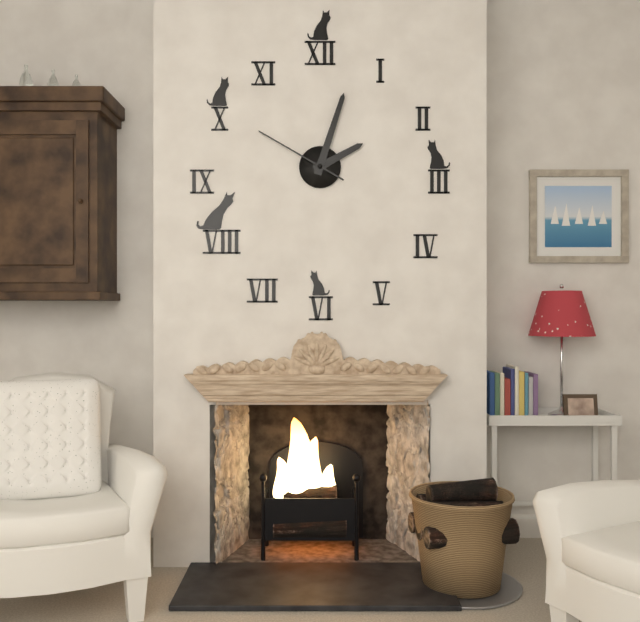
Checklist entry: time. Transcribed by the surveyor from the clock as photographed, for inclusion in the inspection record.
2:03:50
